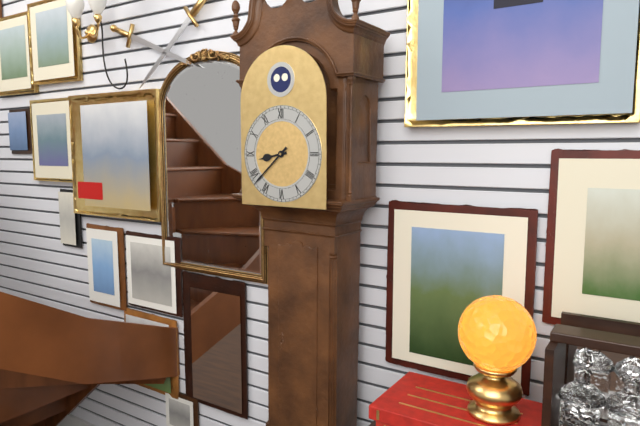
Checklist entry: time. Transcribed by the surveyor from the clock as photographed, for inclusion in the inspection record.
8:38
